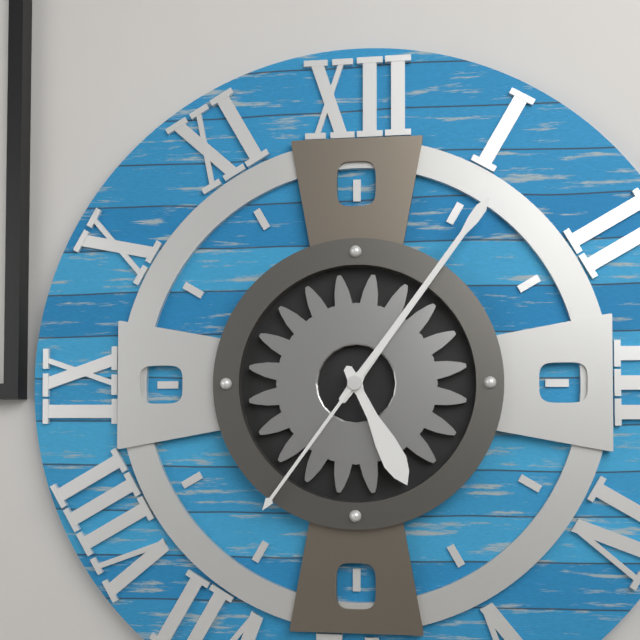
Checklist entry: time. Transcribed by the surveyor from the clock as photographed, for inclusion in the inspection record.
5:06:36
